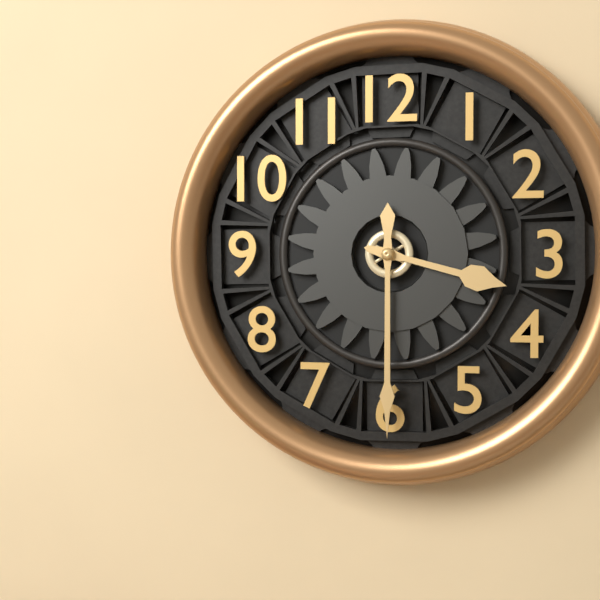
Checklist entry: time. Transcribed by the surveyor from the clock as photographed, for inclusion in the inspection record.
3:30
